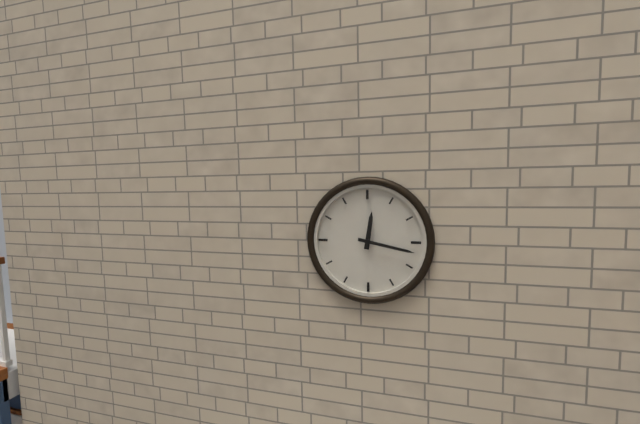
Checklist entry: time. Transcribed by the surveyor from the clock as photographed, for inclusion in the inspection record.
12:17
